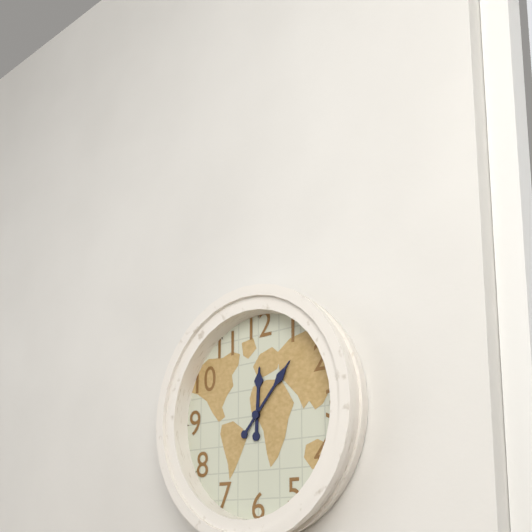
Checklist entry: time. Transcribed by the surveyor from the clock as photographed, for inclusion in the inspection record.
12:07
